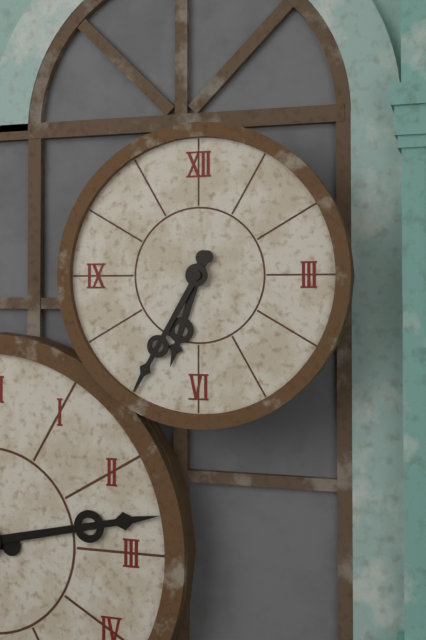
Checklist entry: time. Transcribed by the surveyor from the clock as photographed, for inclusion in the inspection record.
6:35
